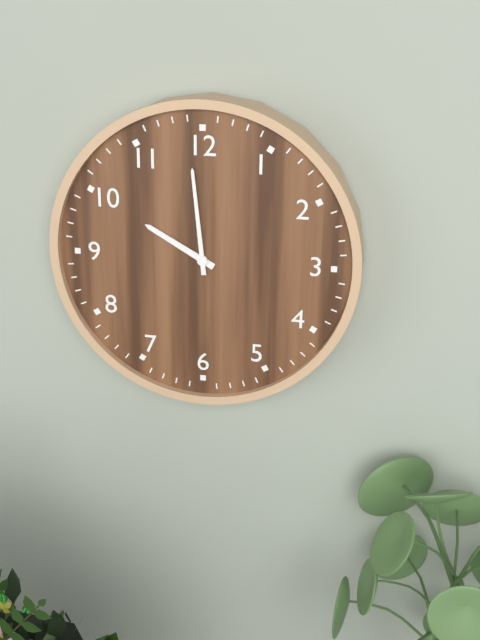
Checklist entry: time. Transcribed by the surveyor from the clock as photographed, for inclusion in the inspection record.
9:59
